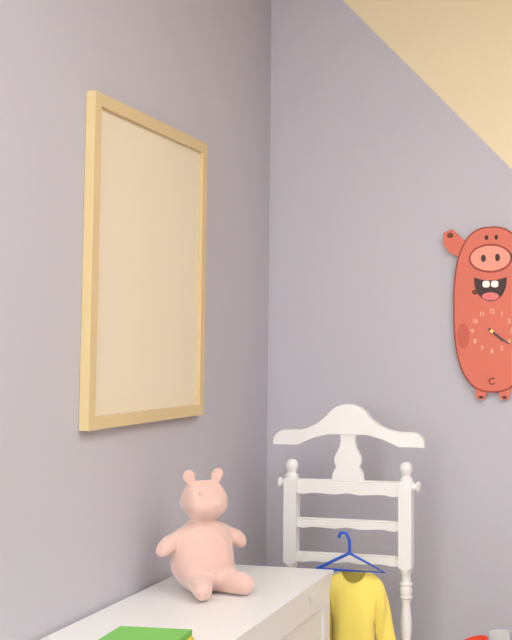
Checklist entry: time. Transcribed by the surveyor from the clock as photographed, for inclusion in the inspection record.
4:21
